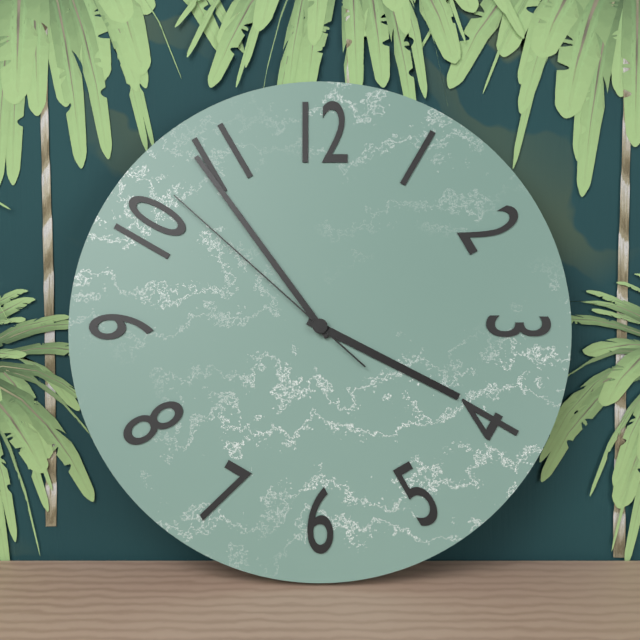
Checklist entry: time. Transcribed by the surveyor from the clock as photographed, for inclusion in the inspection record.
3:54:52
